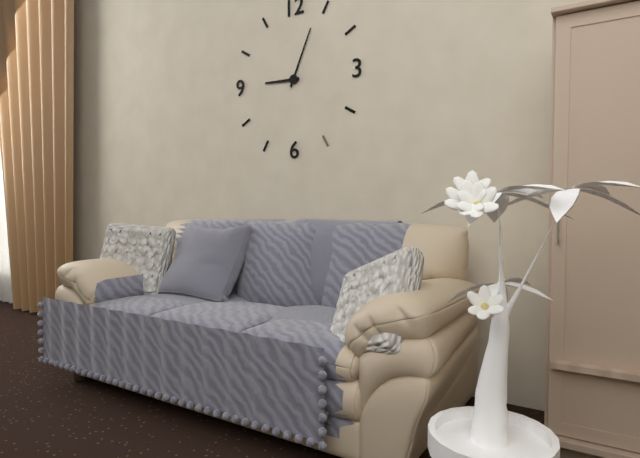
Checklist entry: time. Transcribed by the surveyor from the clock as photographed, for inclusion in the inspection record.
9:04
